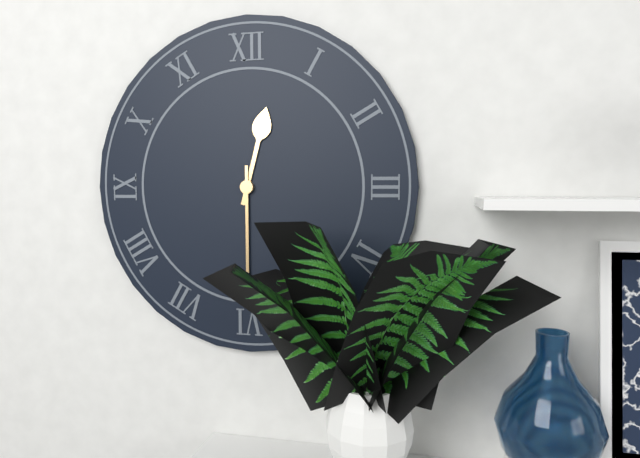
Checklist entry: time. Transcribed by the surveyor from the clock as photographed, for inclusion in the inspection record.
12:30
